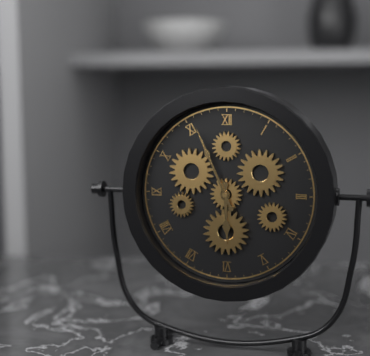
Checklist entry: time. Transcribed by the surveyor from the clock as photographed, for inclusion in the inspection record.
5:56
